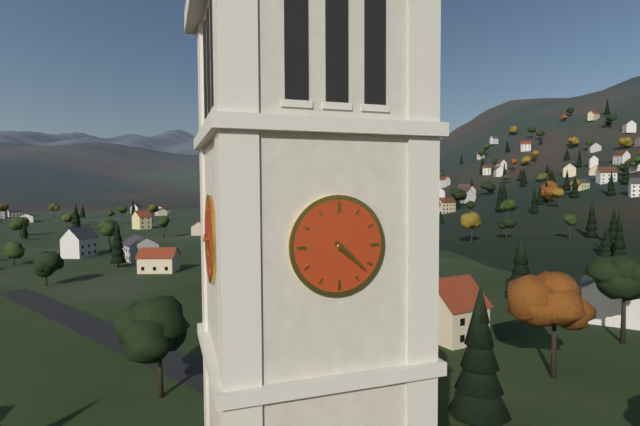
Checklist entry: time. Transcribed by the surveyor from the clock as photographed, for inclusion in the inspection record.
4:22
